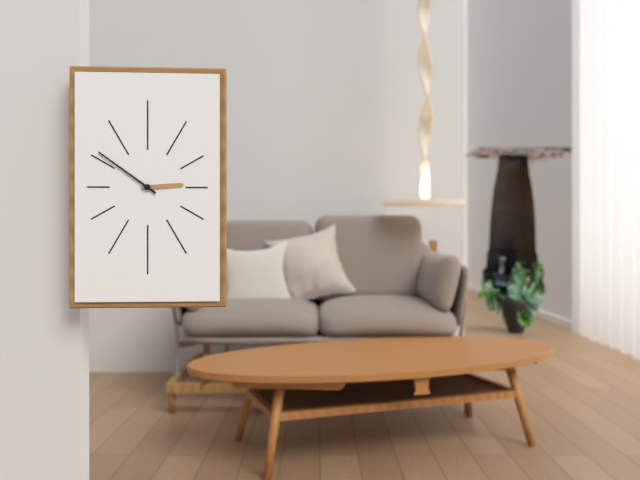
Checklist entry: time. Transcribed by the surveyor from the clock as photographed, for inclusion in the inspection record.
2:51
